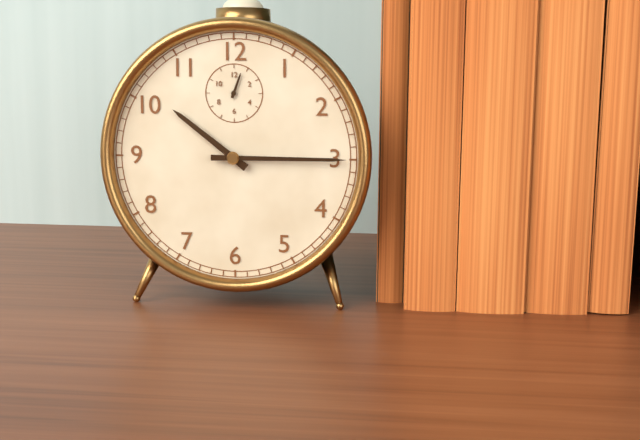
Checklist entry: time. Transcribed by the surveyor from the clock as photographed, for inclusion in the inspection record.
10:15
